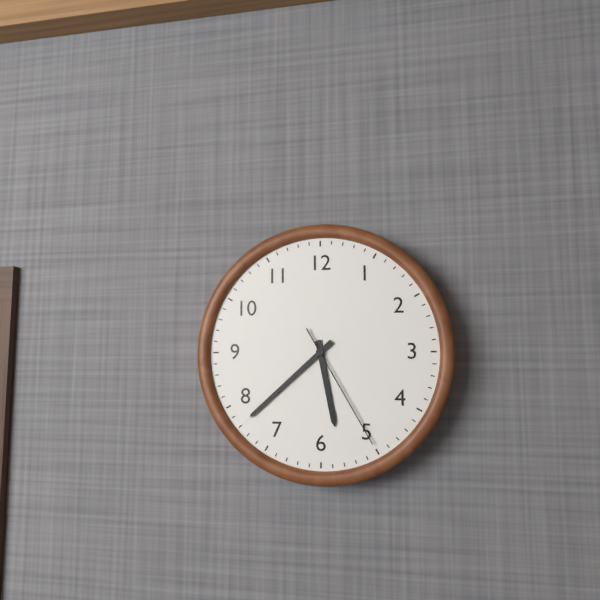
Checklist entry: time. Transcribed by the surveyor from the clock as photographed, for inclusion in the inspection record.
5:38:25
